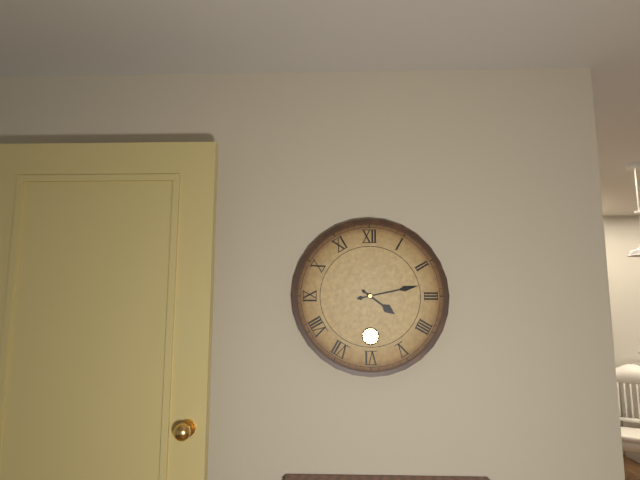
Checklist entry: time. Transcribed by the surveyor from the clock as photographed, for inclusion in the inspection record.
4:13
